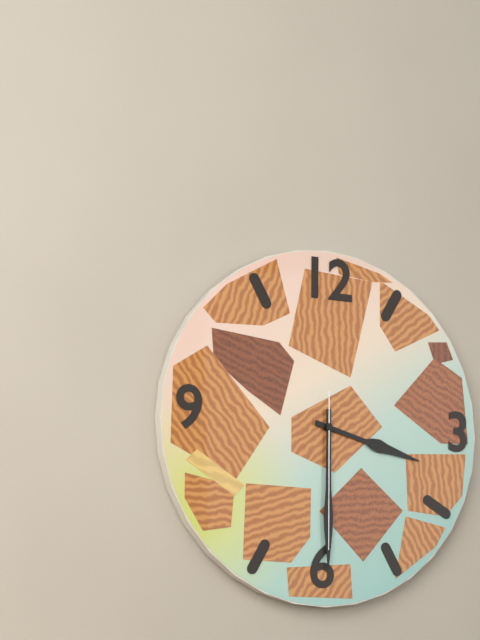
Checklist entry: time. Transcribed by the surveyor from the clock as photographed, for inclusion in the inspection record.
3:30:30
